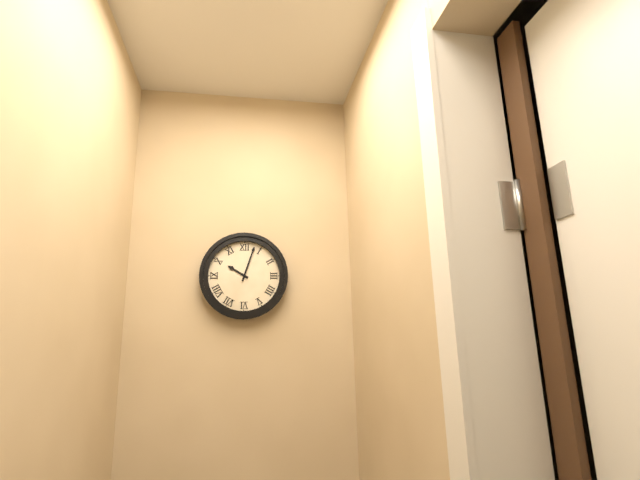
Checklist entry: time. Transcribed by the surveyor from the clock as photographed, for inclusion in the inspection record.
10:03
